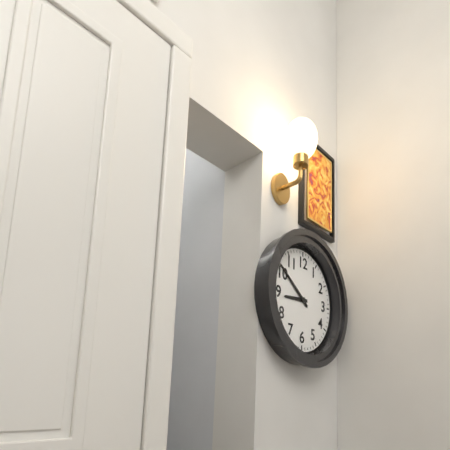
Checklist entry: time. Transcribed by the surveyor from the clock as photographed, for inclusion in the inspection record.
8:51
